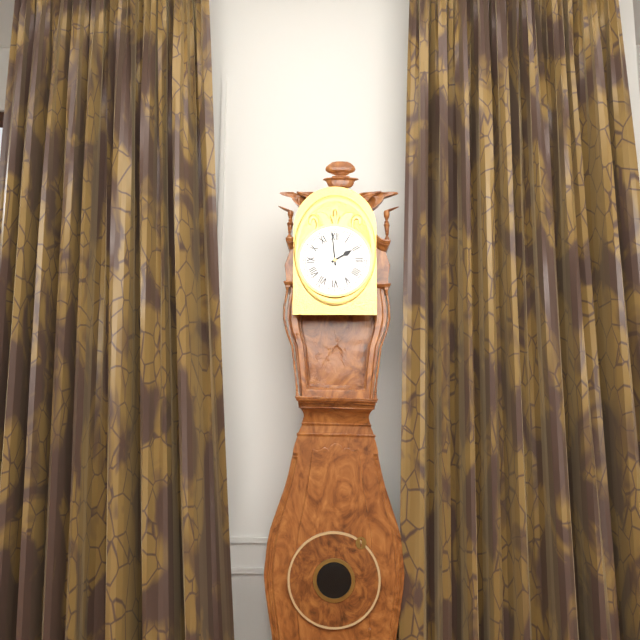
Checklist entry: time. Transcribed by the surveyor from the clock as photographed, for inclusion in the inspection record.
1:59
